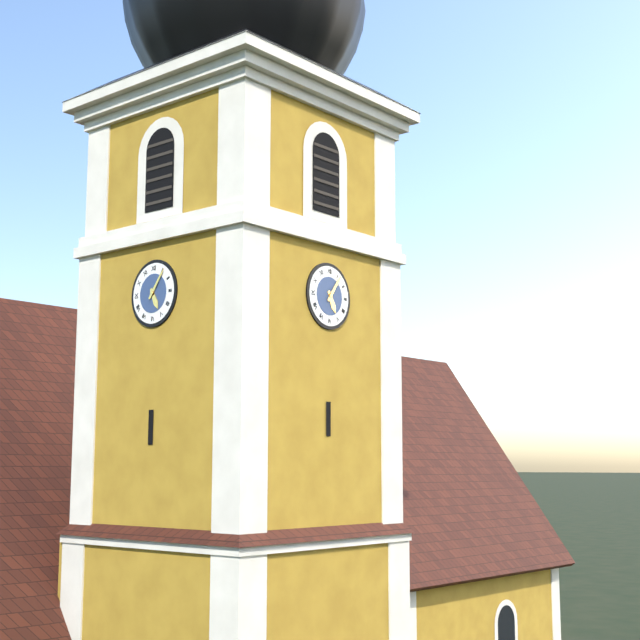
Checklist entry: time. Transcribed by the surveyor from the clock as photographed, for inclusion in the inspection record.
5:06
